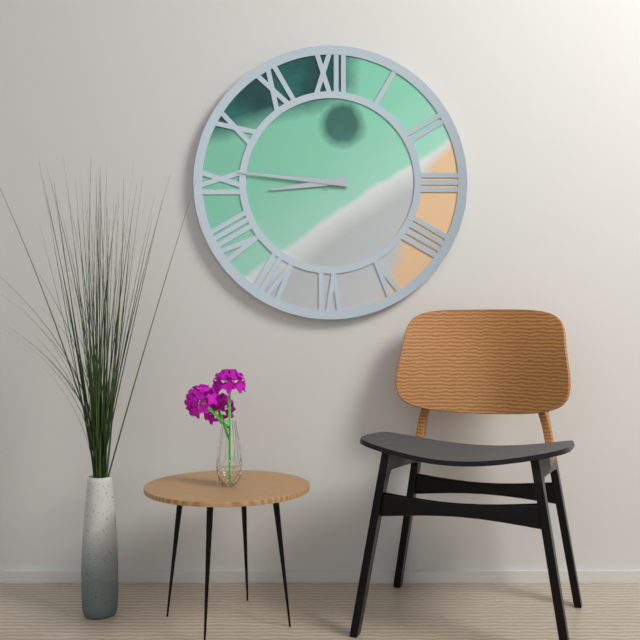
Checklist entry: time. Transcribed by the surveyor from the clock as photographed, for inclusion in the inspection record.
8:46
